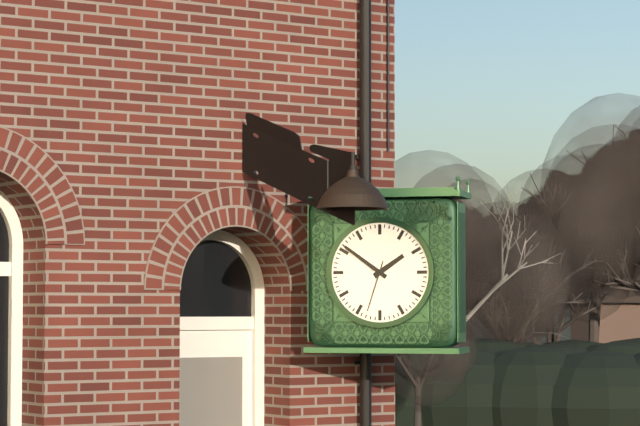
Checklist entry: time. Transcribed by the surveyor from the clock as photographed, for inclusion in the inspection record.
1:51:33
